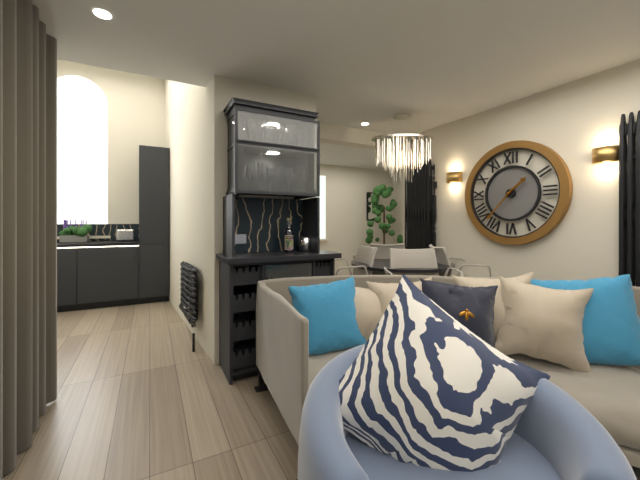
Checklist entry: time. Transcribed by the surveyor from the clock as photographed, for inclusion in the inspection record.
1:37
